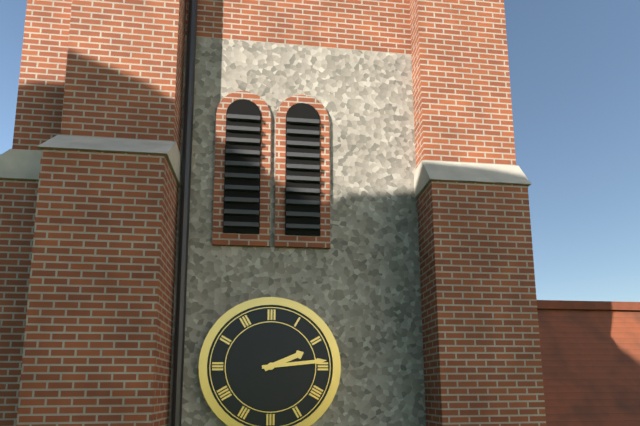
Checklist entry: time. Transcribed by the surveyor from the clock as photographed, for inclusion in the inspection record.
2:14
